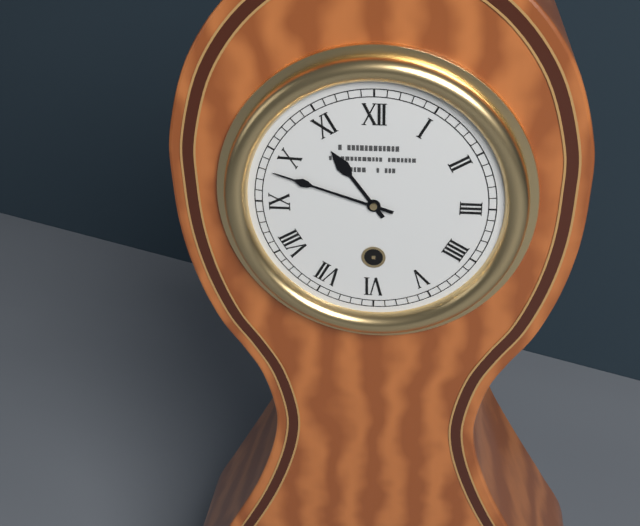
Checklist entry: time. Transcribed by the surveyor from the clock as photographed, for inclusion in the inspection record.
10:48
